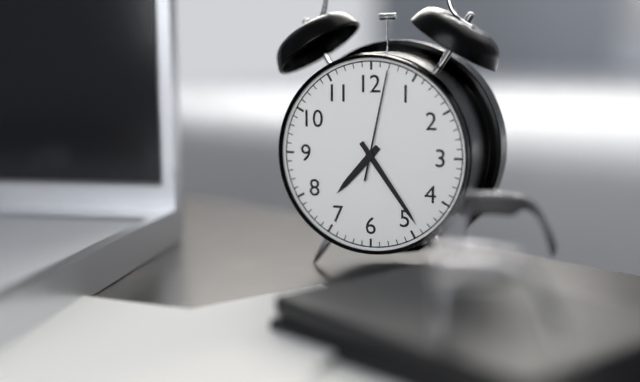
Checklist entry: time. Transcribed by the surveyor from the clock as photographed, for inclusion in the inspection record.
7:24:02
